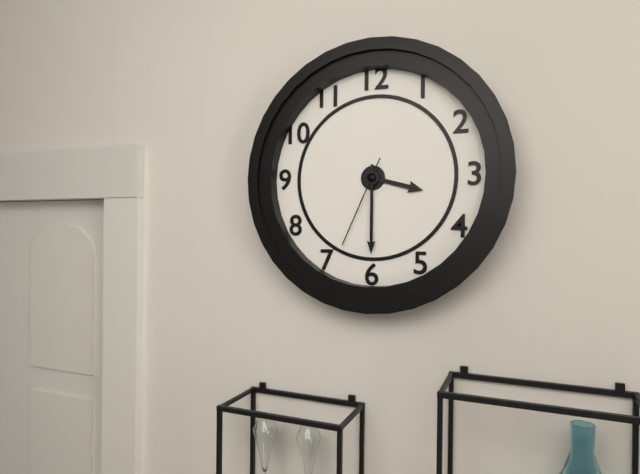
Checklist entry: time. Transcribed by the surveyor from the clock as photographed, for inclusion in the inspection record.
3:30:34
